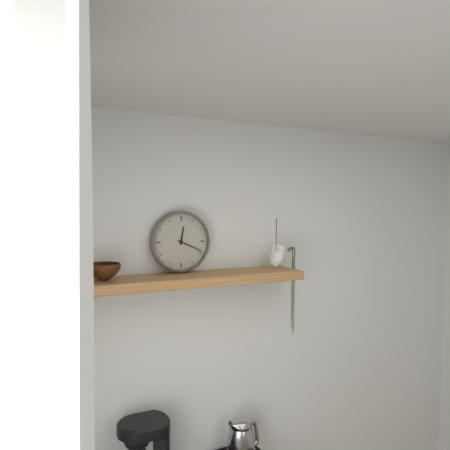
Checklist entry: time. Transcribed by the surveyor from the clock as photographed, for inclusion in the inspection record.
12:19
